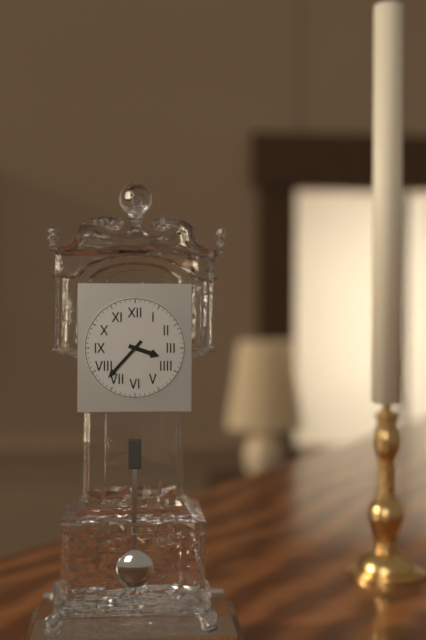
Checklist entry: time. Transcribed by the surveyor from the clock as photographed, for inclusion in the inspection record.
3:37
